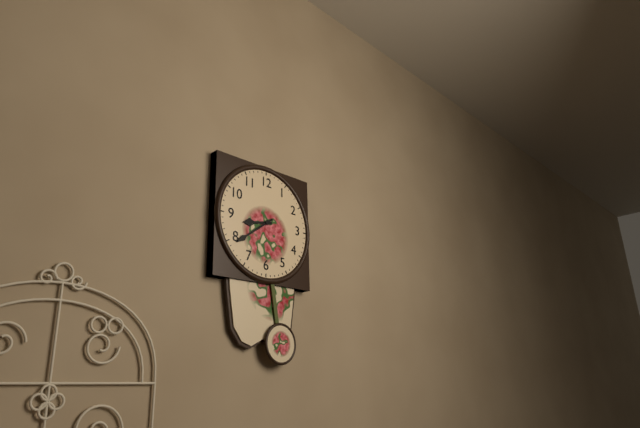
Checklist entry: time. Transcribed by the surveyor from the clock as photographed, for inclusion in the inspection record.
8:39
